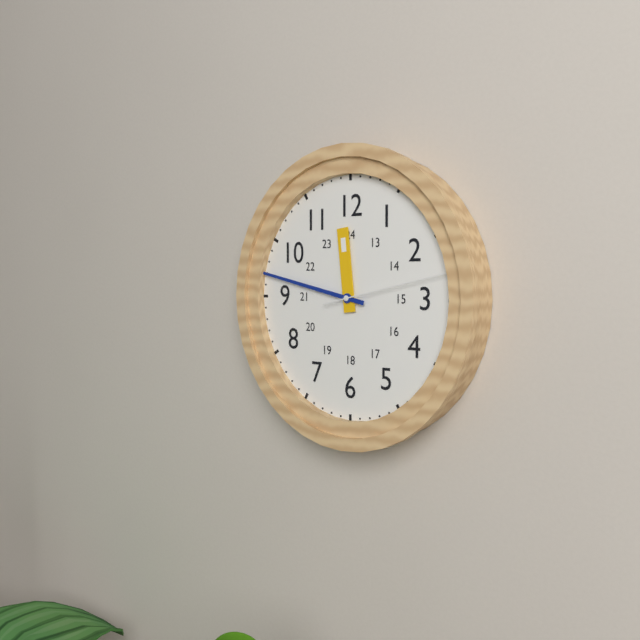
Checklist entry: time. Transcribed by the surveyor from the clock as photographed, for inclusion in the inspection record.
11:47:13
